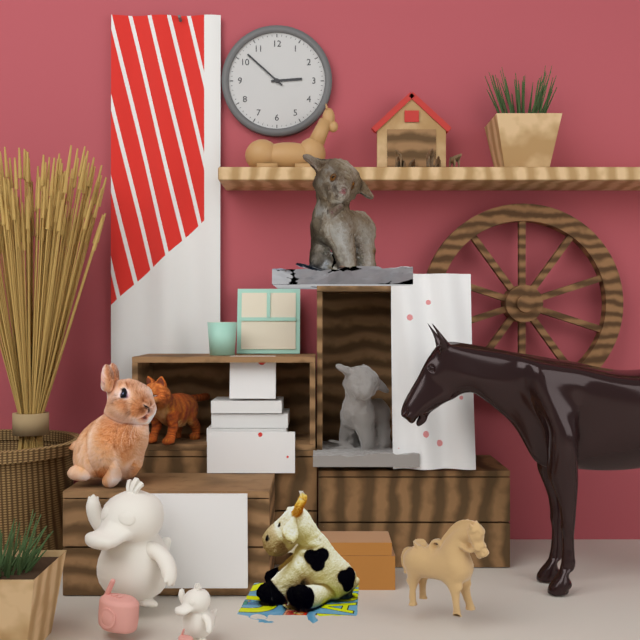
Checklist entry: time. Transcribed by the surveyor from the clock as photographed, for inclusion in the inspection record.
2:52
